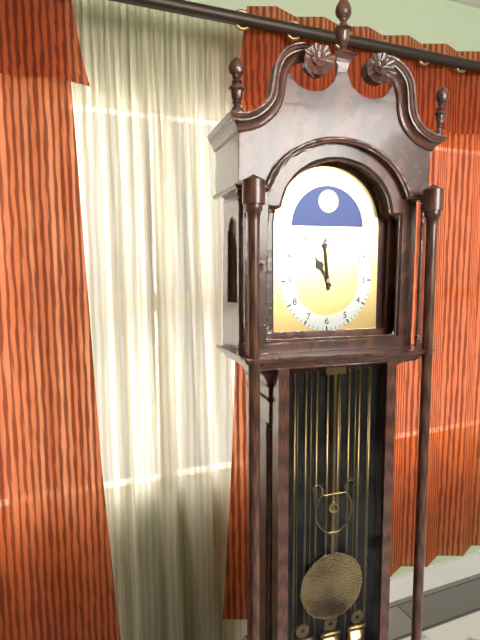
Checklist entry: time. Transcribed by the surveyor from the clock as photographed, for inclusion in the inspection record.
10:59
